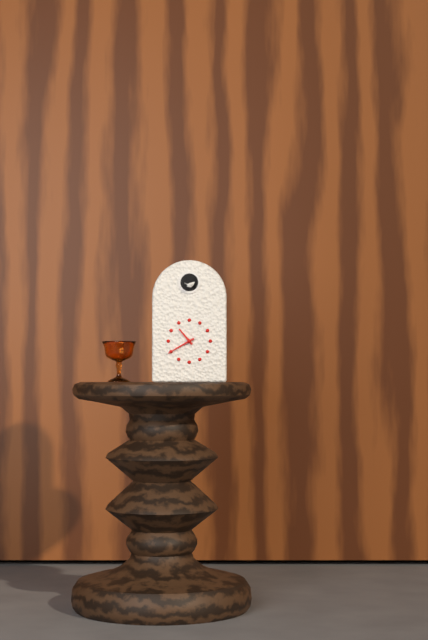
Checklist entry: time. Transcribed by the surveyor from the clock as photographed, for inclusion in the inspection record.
10:40
